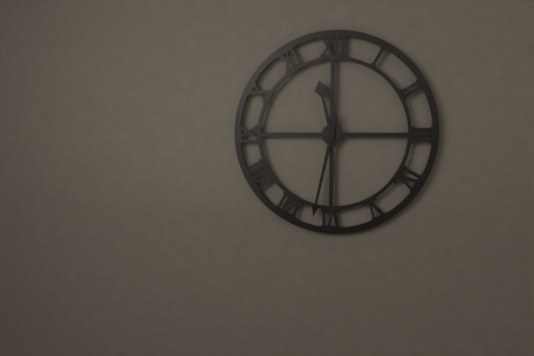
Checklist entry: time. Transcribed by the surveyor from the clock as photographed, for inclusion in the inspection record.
11:32
